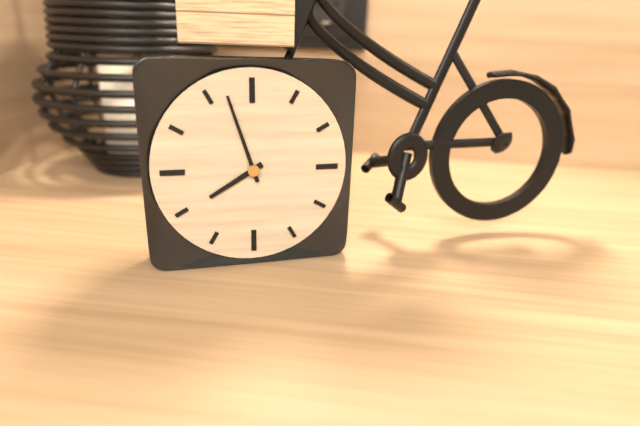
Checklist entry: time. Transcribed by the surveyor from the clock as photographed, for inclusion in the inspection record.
7:57
